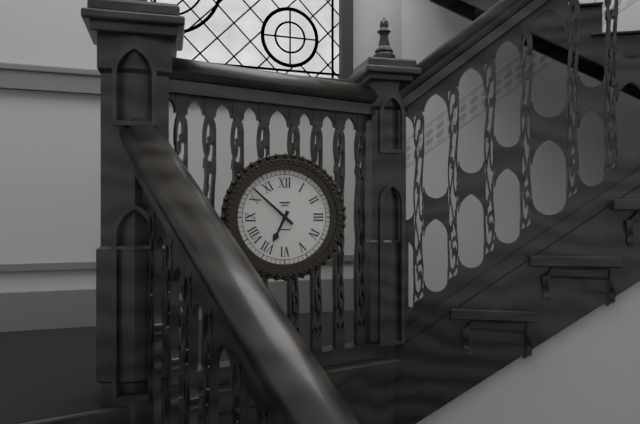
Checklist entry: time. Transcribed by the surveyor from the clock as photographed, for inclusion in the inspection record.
6:52
